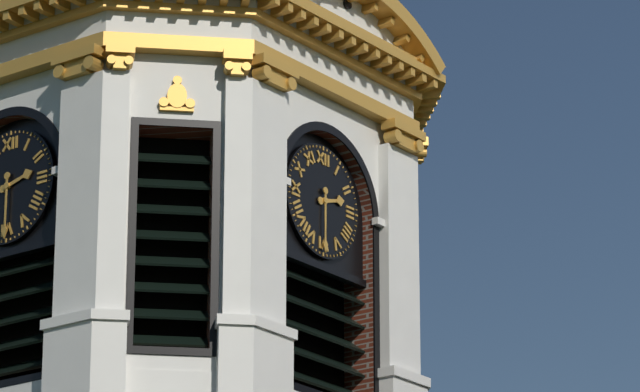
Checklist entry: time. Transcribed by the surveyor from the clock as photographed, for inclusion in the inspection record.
2:30
